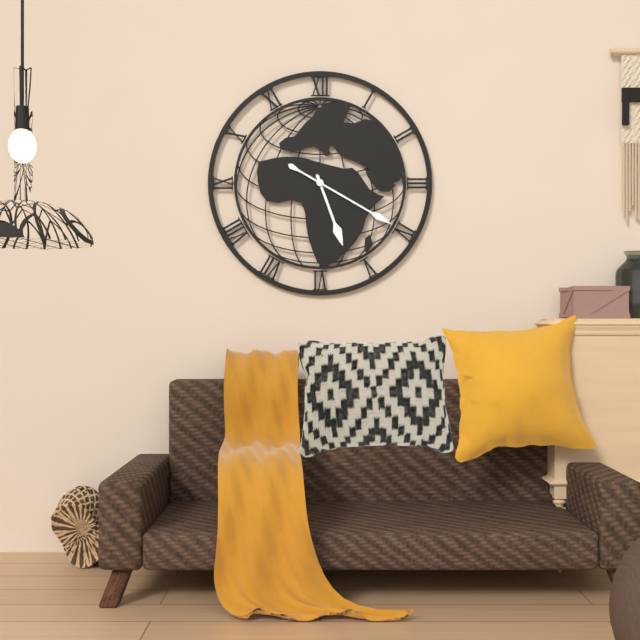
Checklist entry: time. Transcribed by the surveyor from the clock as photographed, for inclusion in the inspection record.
5:20
